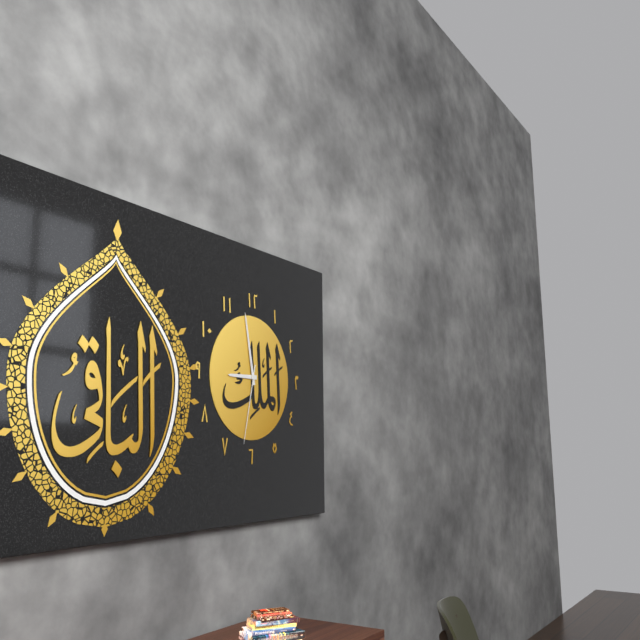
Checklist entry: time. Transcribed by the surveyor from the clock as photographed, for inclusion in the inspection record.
8:58:32
